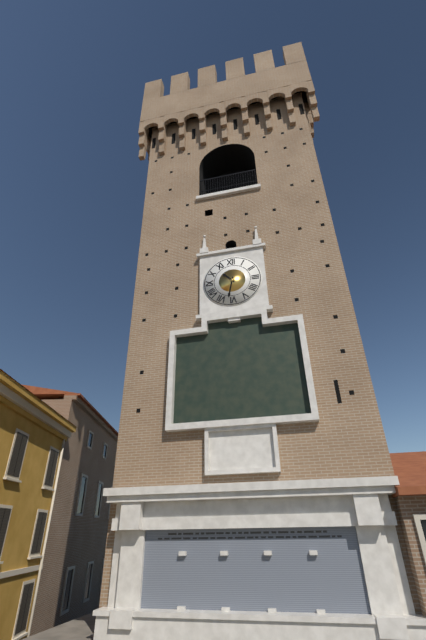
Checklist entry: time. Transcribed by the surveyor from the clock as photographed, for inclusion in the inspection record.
10:32
